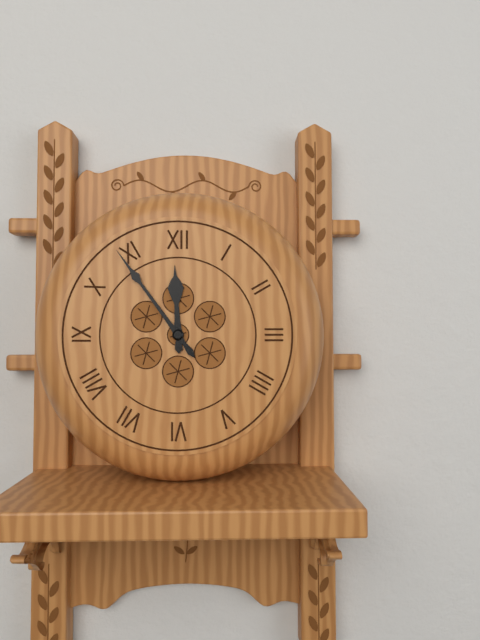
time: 11:54
